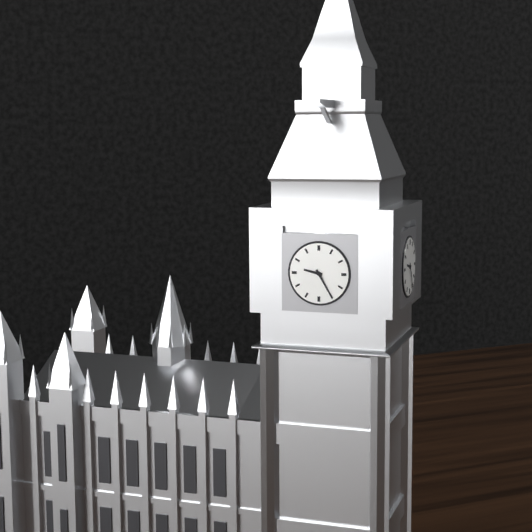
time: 9:25
